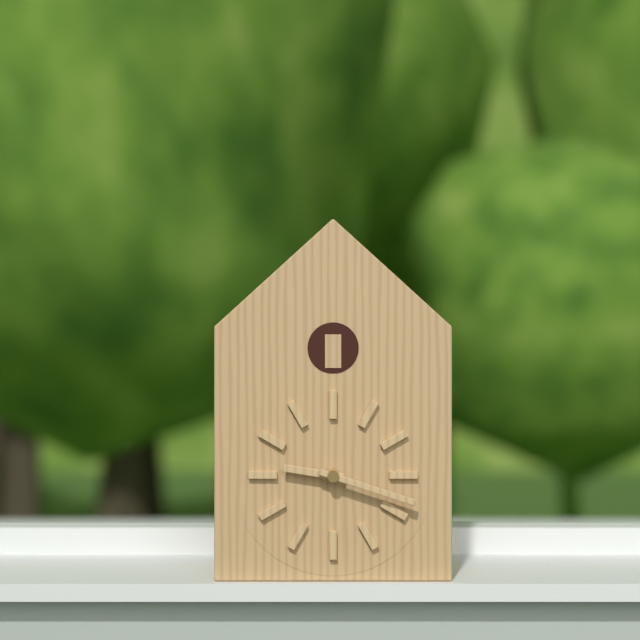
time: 9:18
